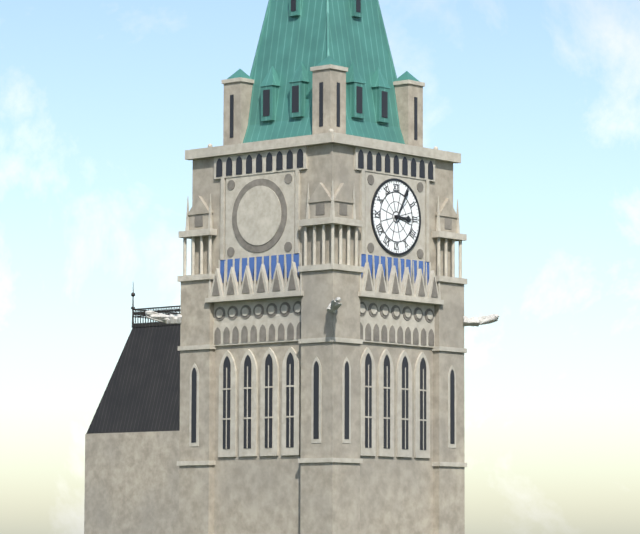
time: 3:05
